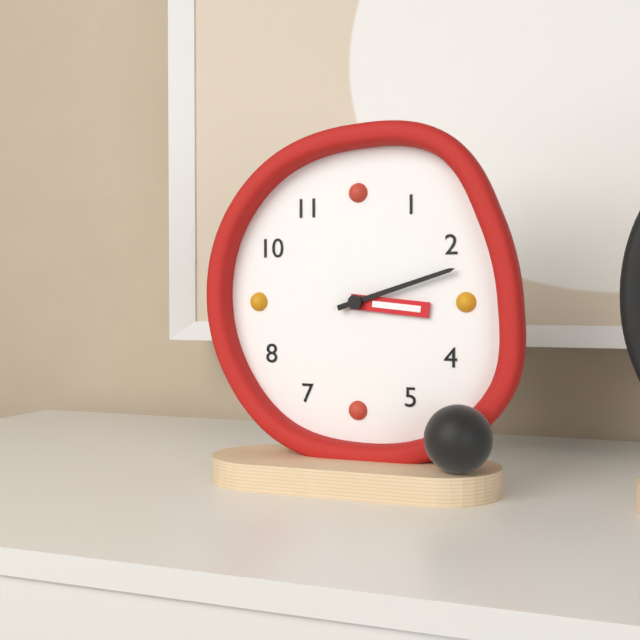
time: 3:12
